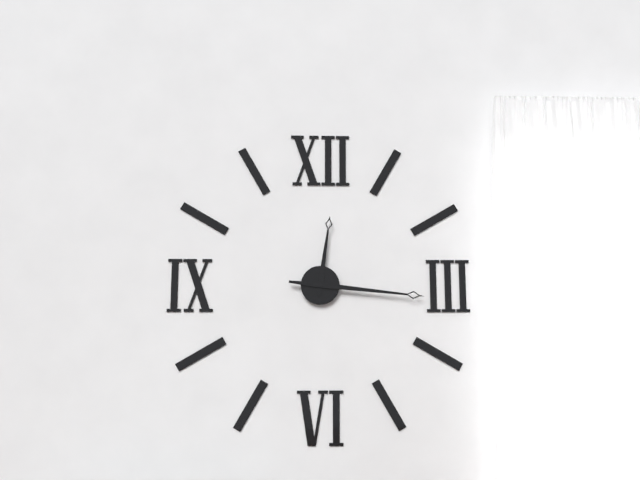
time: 12:16
